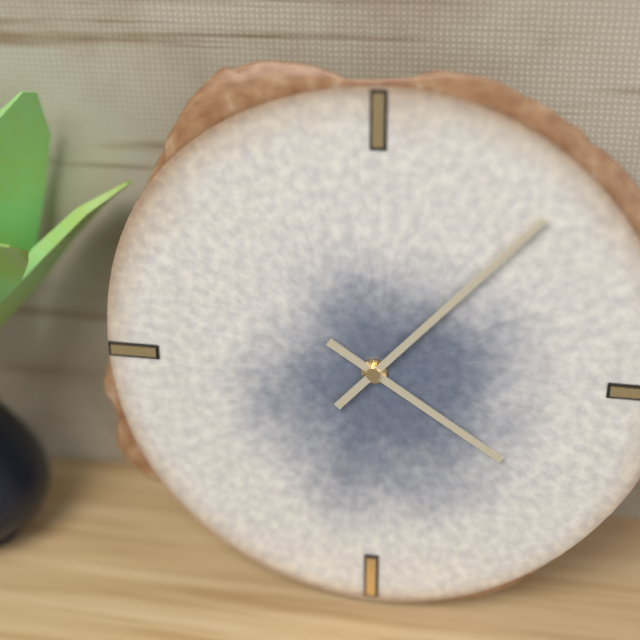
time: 4:07
